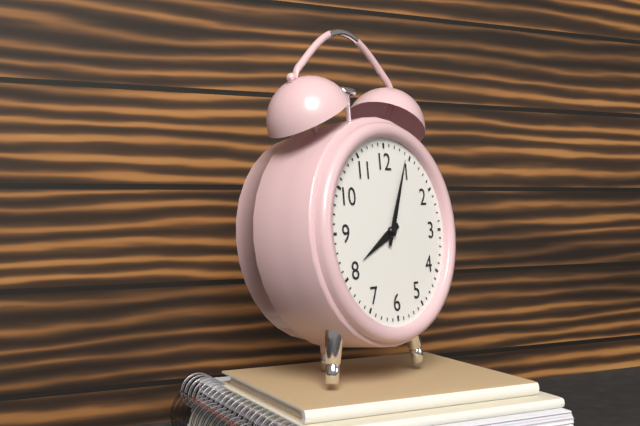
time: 8:04
